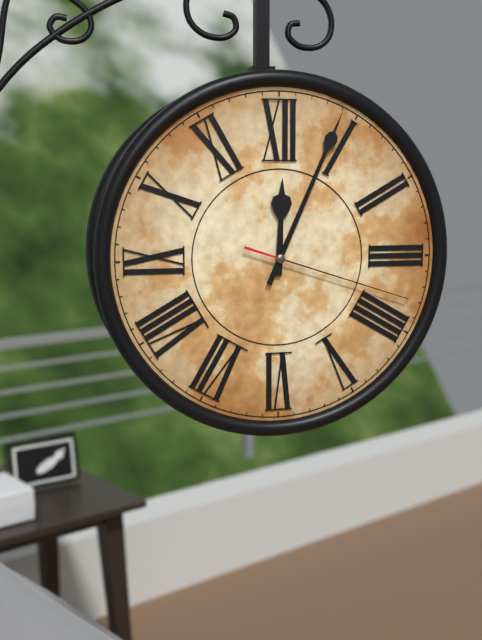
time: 12:04:18
